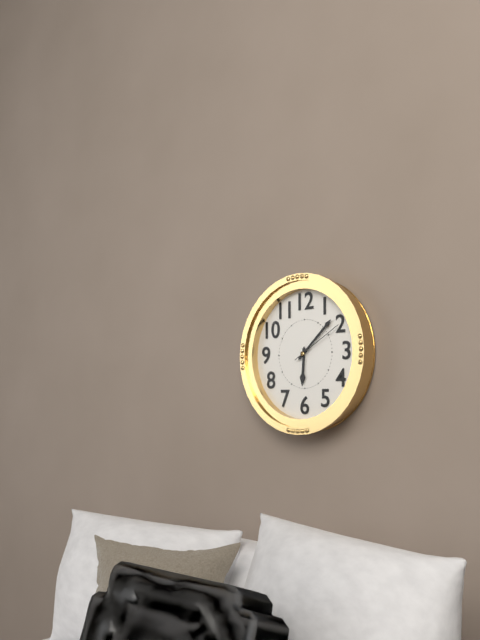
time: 6:08:10
